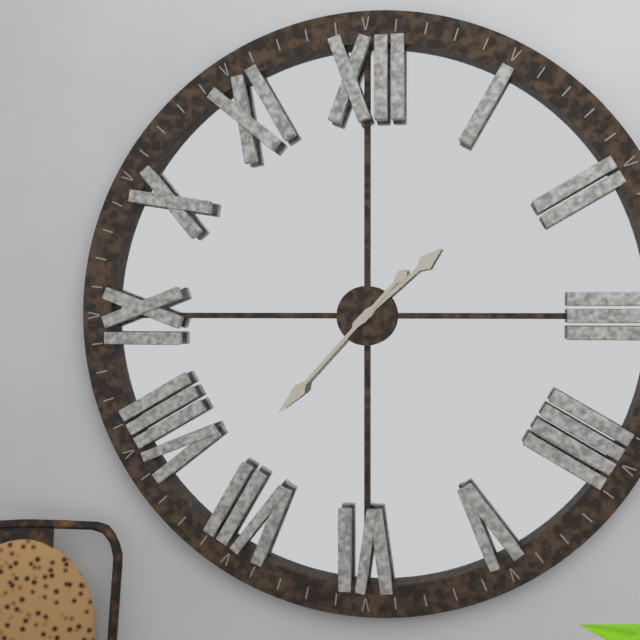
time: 1:37
